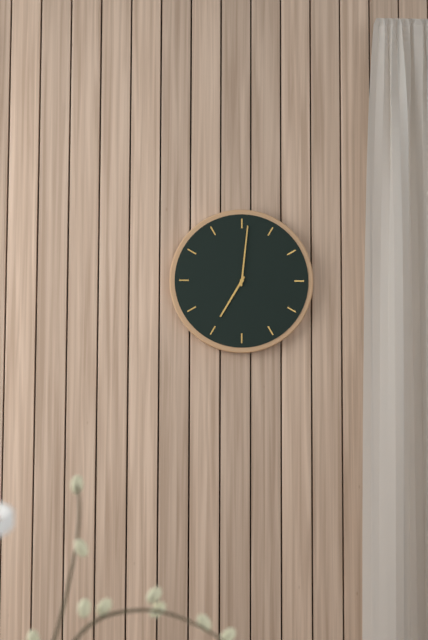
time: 7:01
